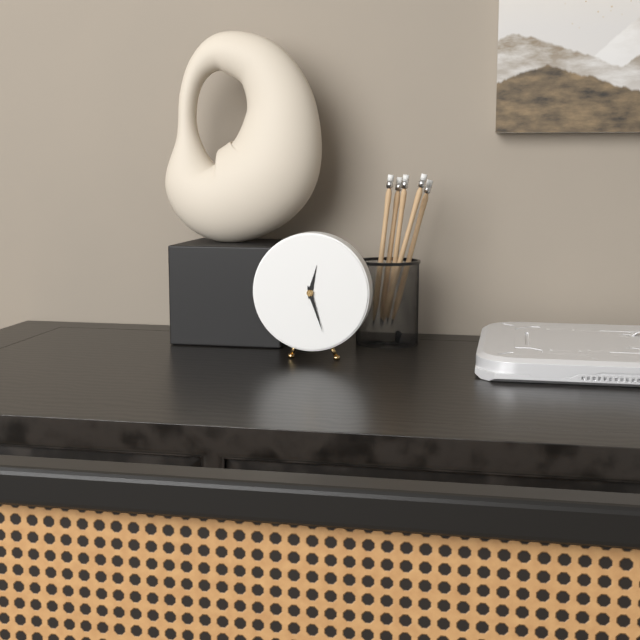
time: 12:27
